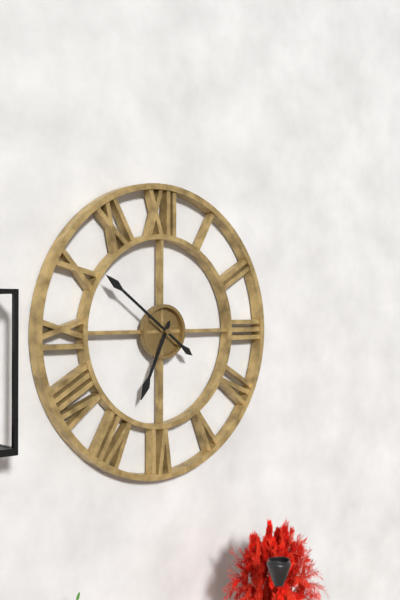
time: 6:51
